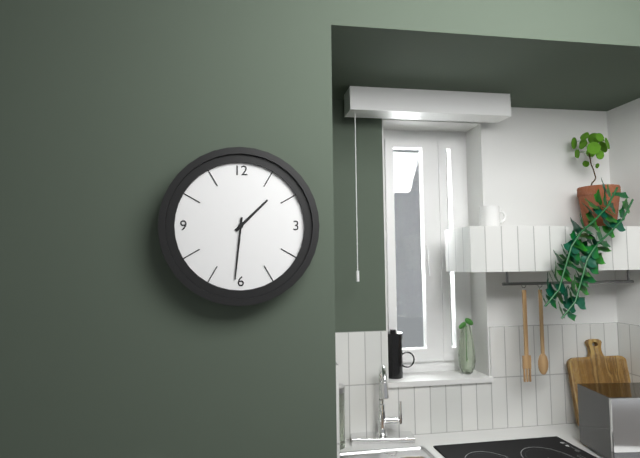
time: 1:31
